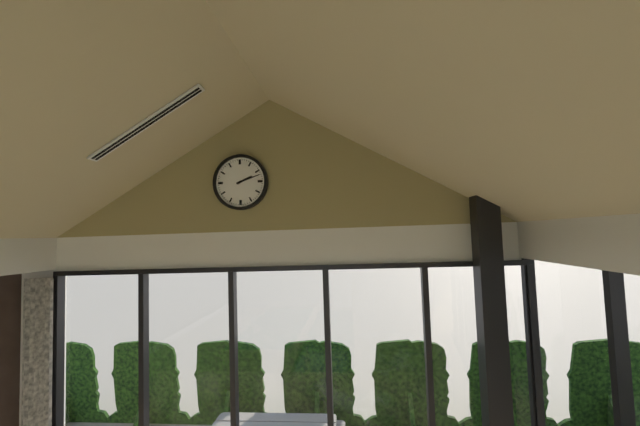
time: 2:12
